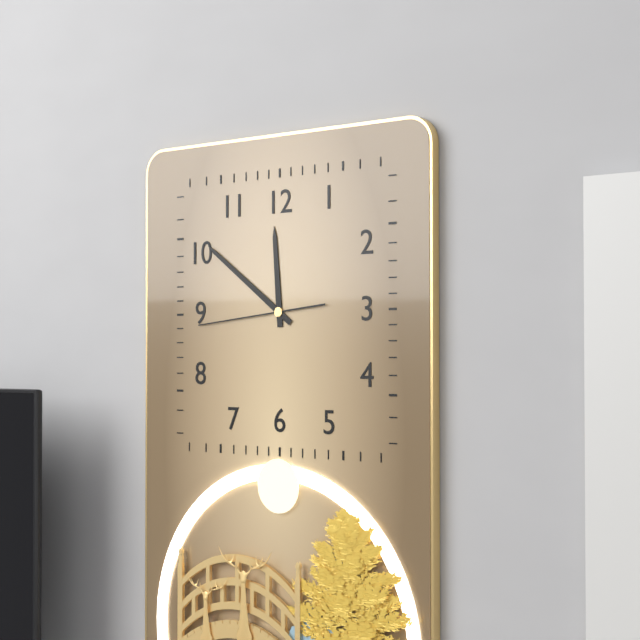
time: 11:51:44
